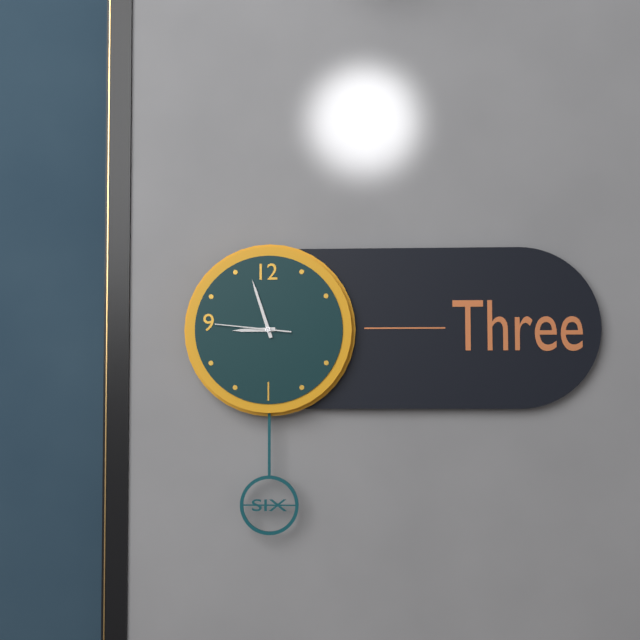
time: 8:57:46
